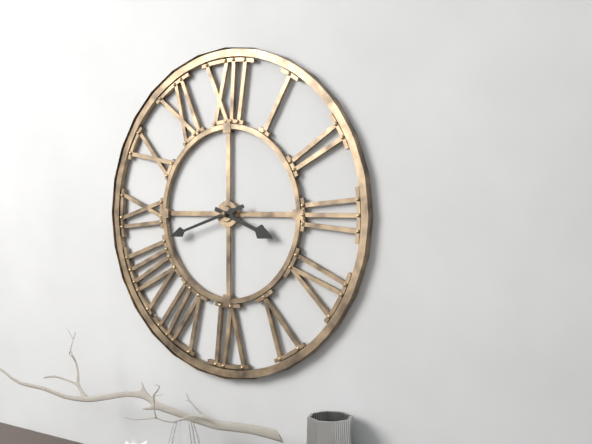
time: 3:42
